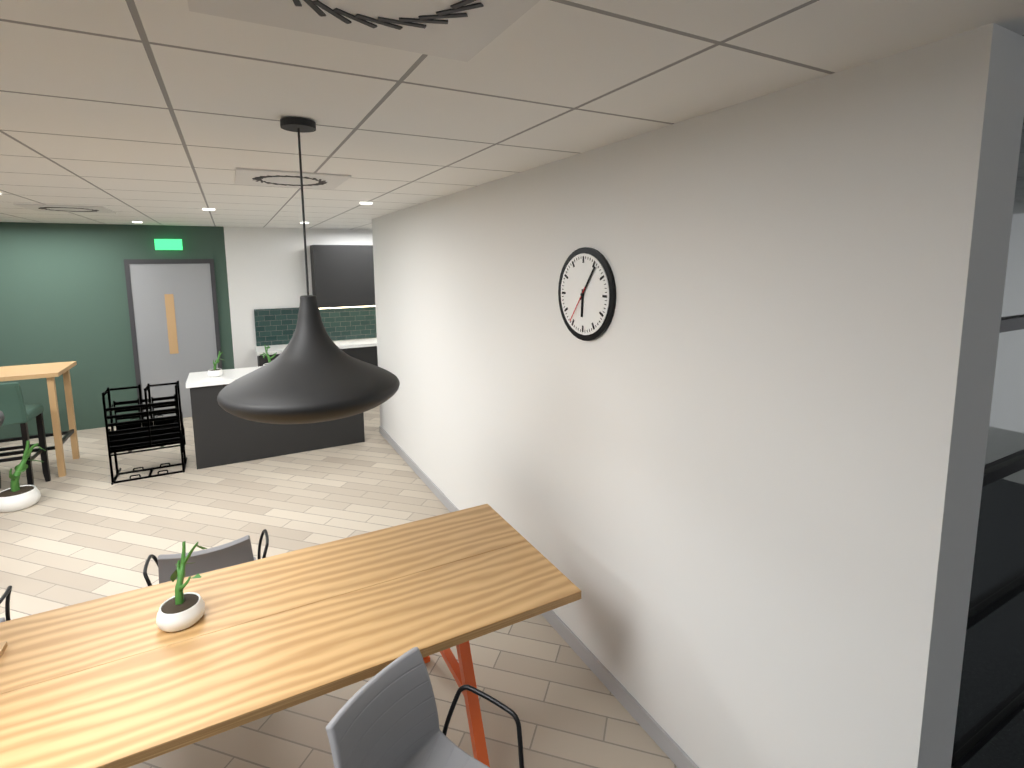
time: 6:06
